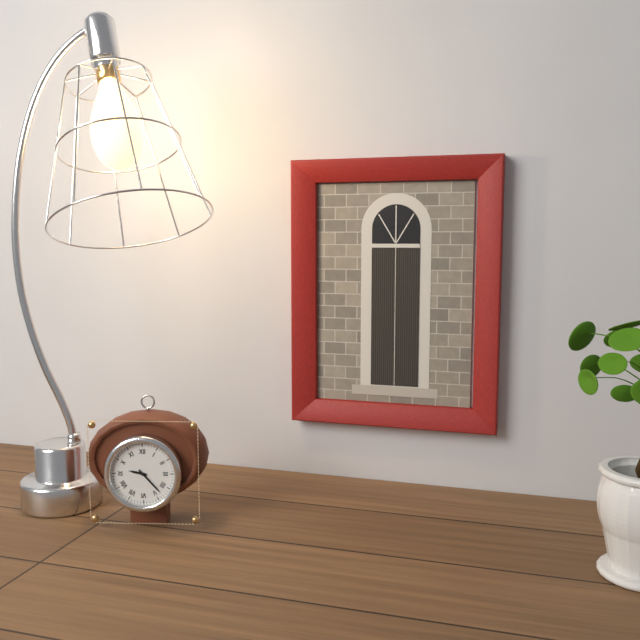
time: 9:23
